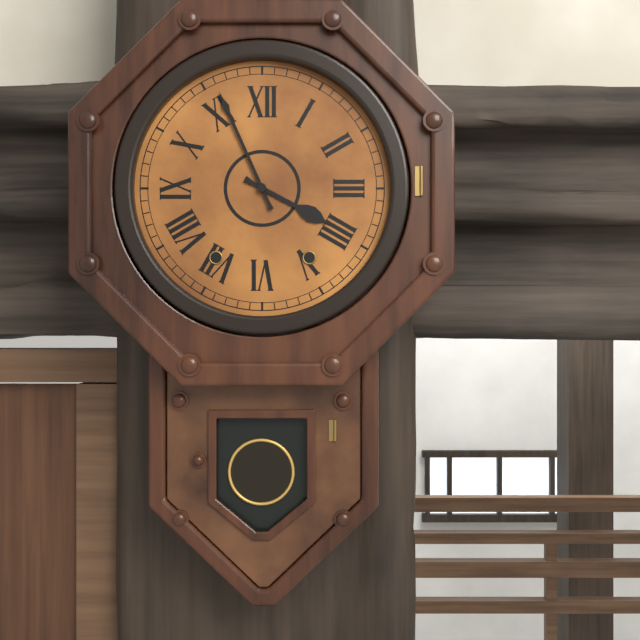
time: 3:56
